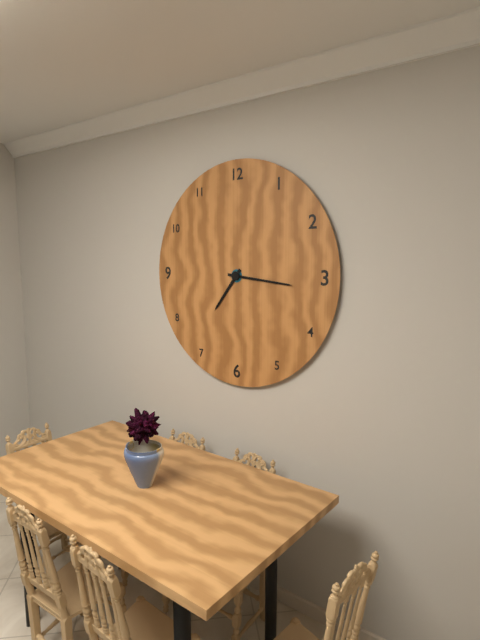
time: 7:16
